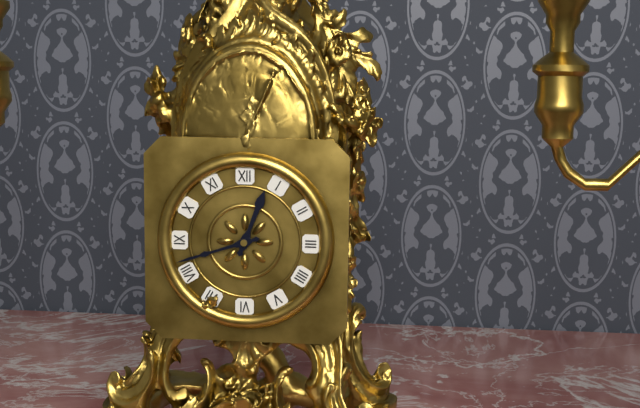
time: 12:42
